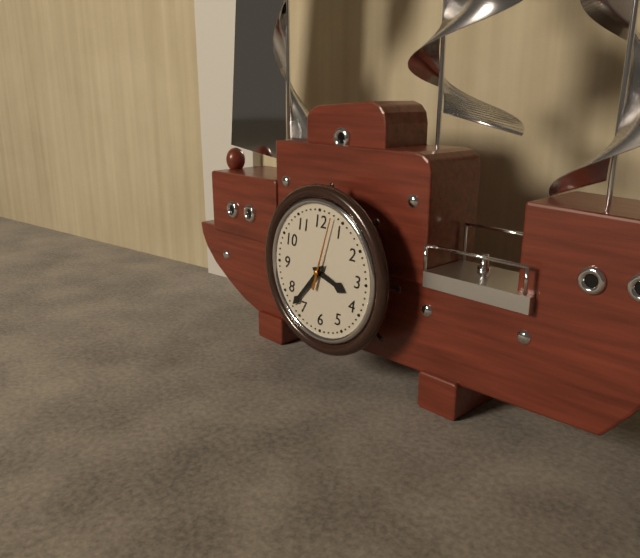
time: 3:37:03
